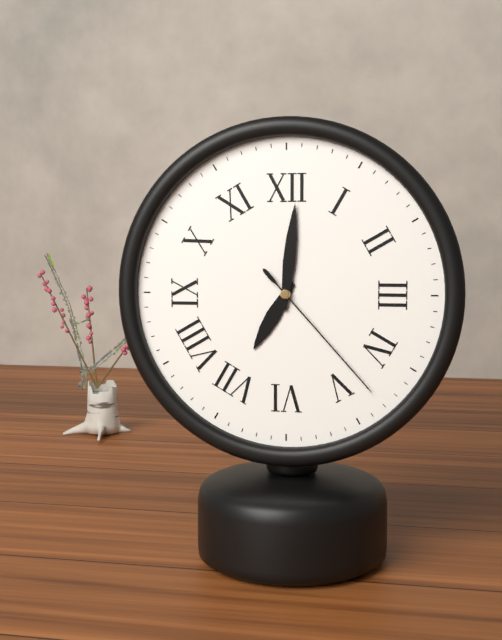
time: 7:01:23
